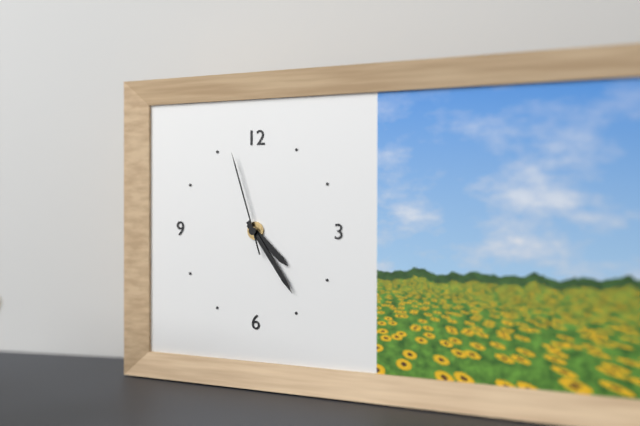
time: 4:24:57
